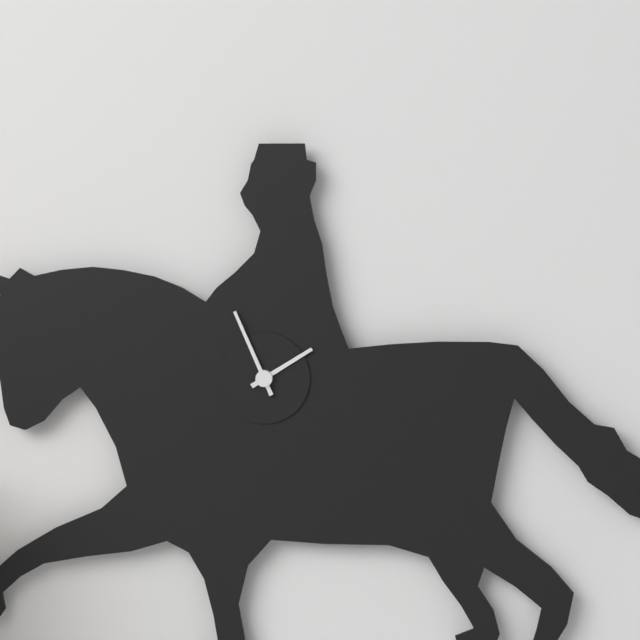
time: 1:56
